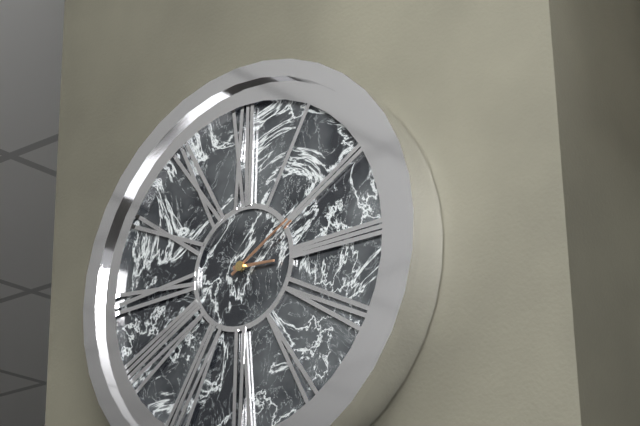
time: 3:10
